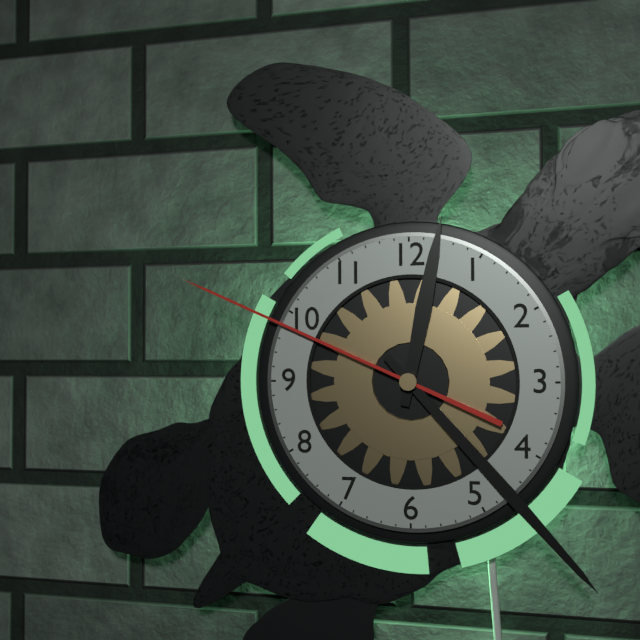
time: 12:23:49
